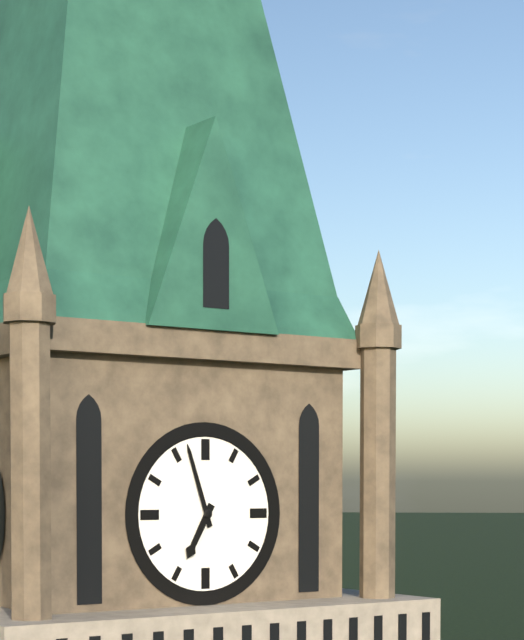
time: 6:57
